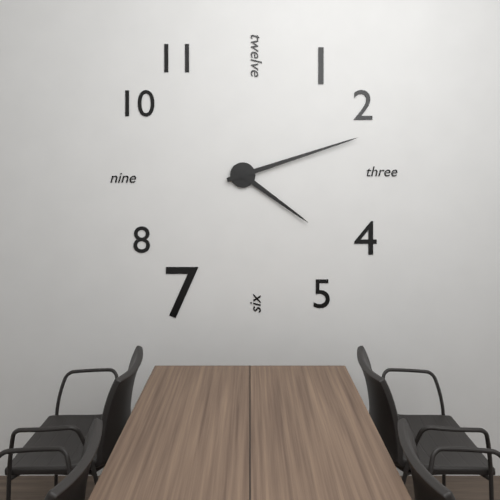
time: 4:12
